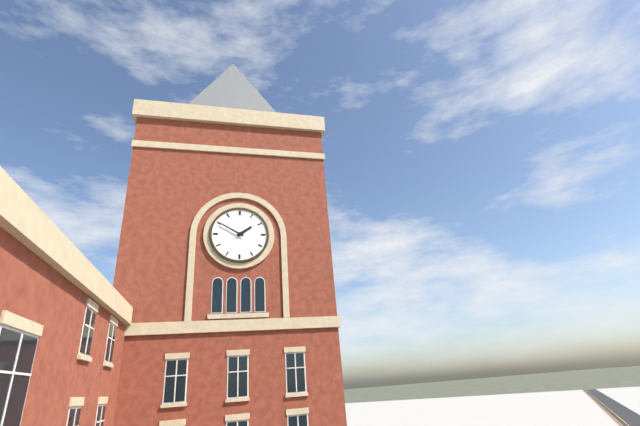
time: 1:50
